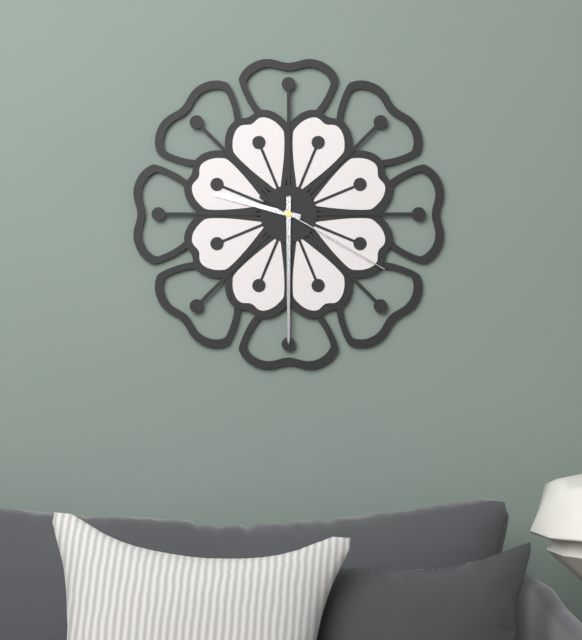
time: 9:30:20
